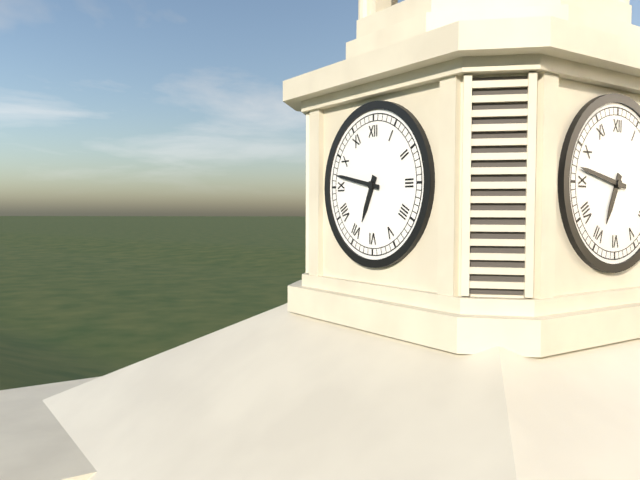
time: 6:47
